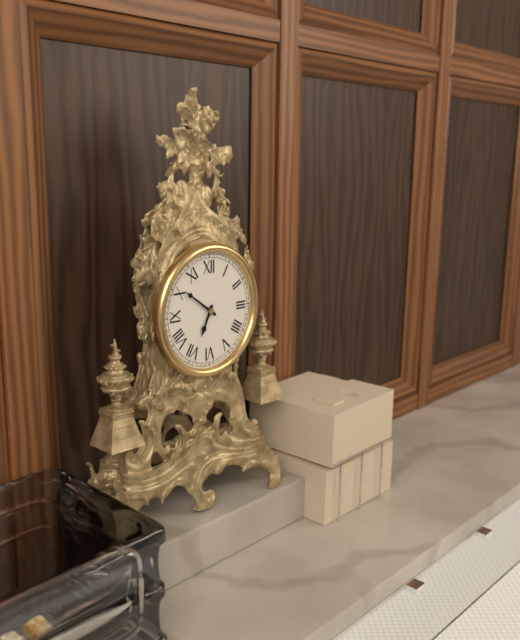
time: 6:51
